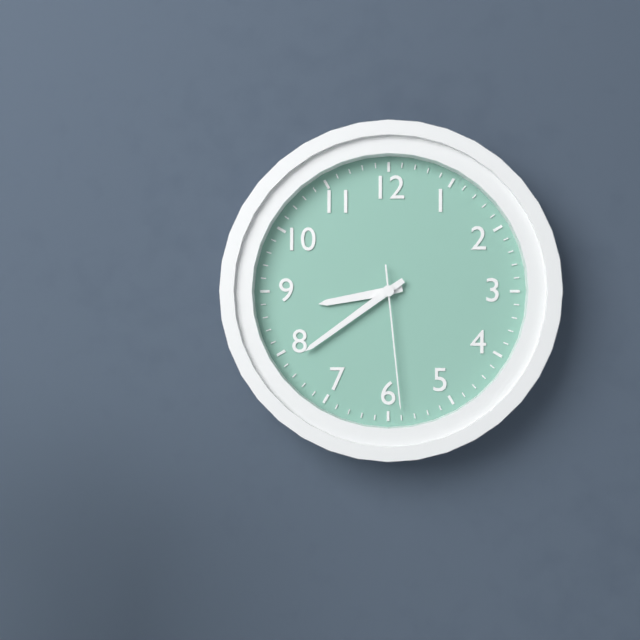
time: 8:39:29
